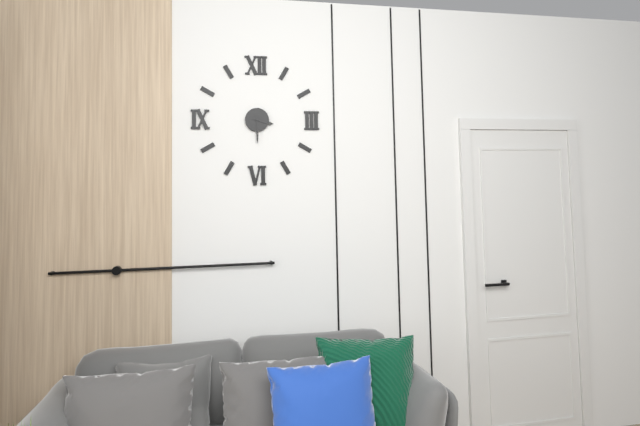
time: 3:30
